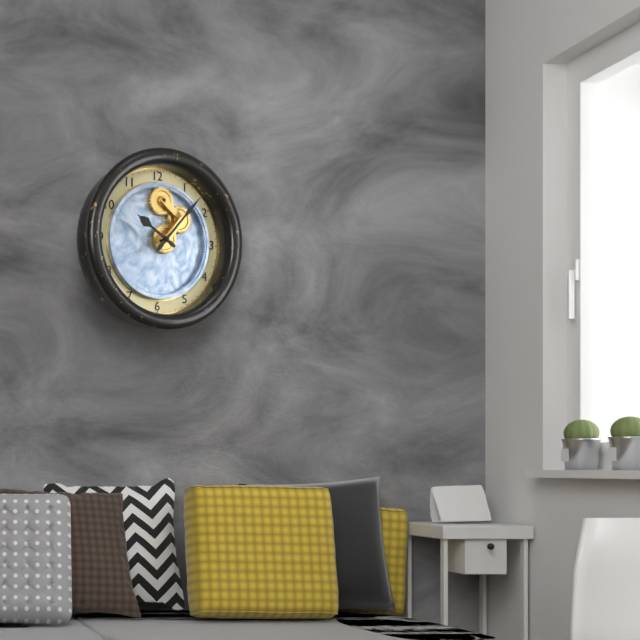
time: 10:07
